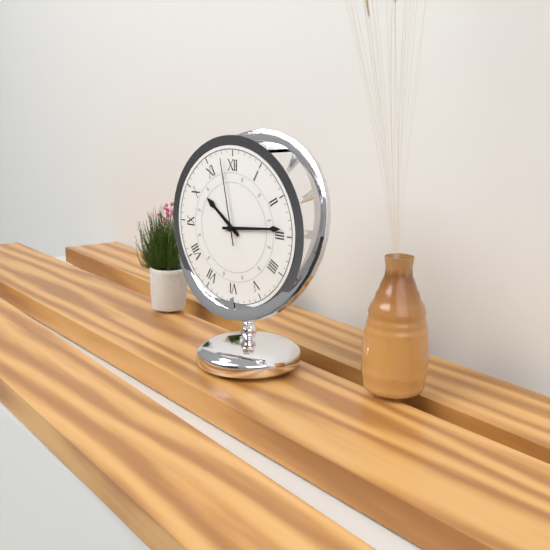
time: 10:14:58
